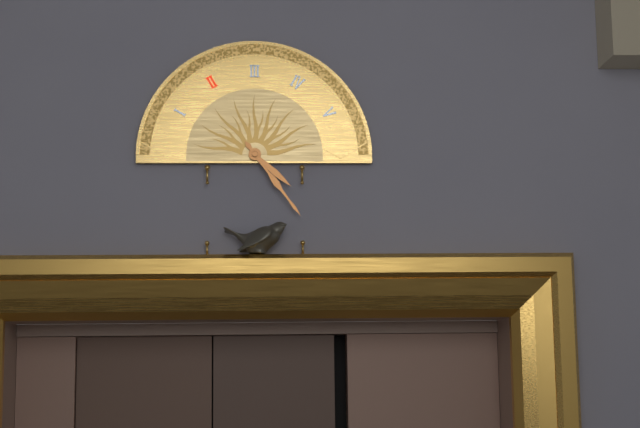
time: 4:24
